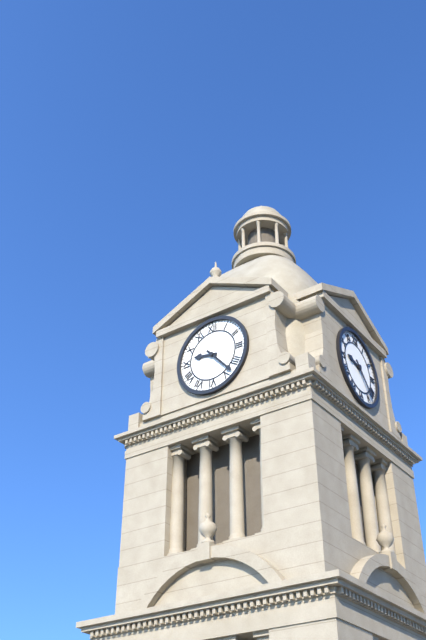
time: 9:23
